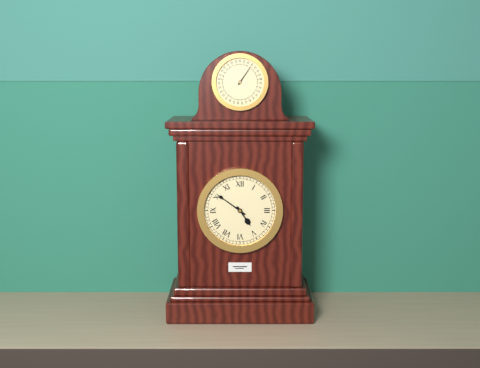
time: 4:51
